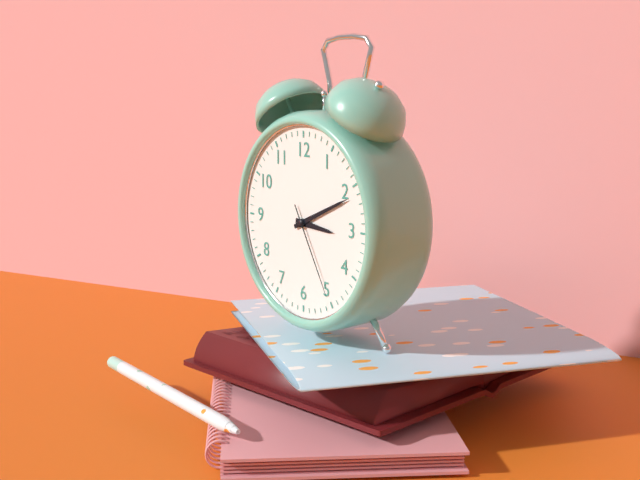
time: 3:11:25
